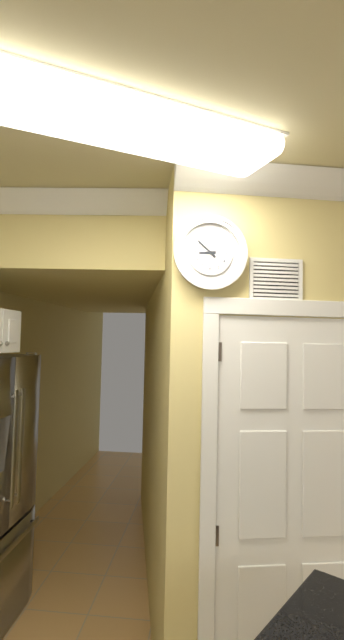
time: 8:52
